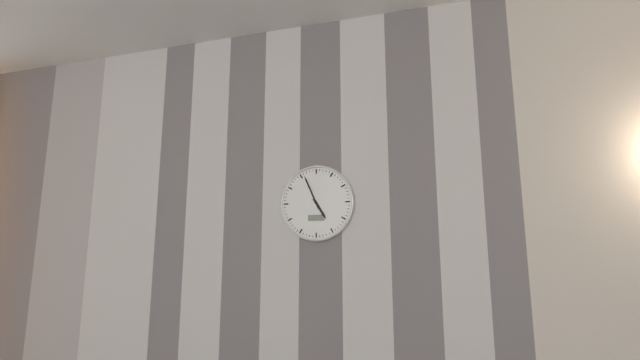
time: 4:56
